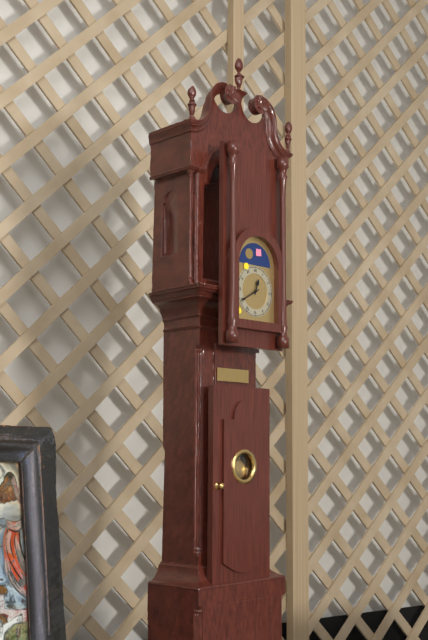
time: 12:40
